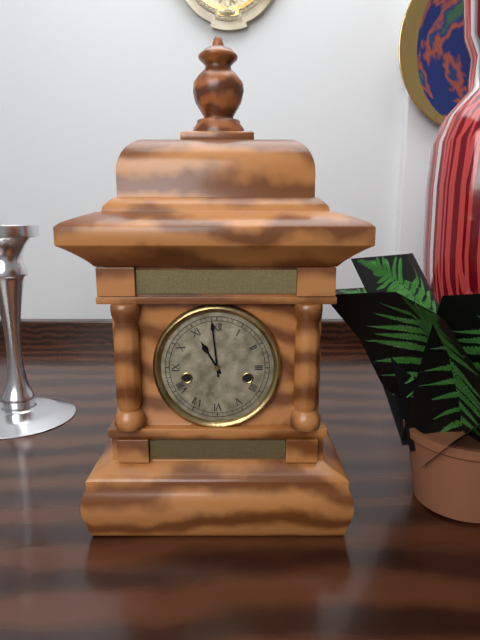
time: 10:59
